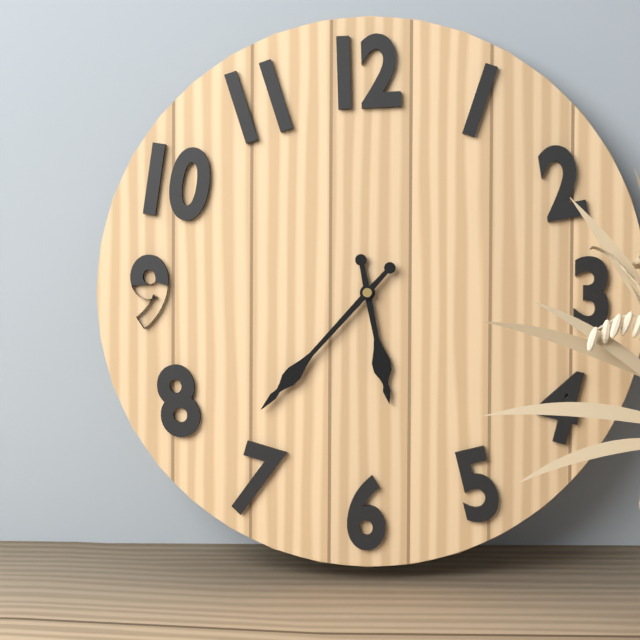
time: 5:37
